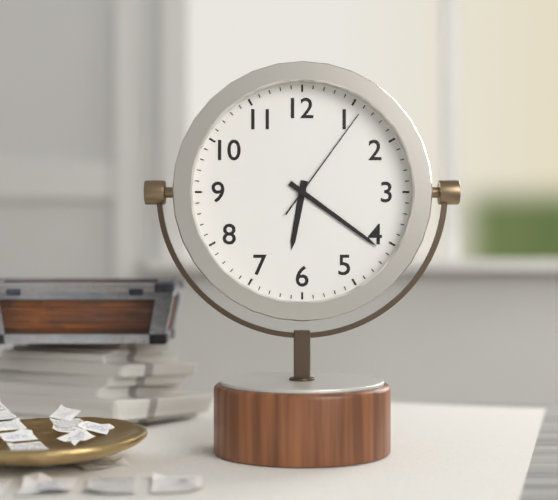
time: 6:21:06
